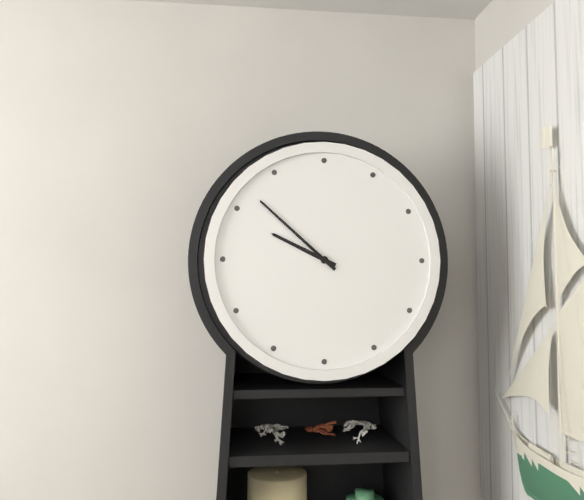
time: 9:52
